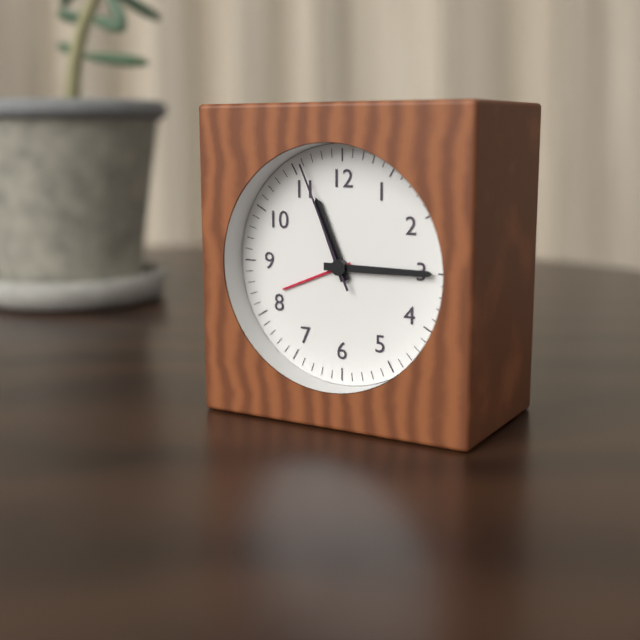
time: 11:15:56
